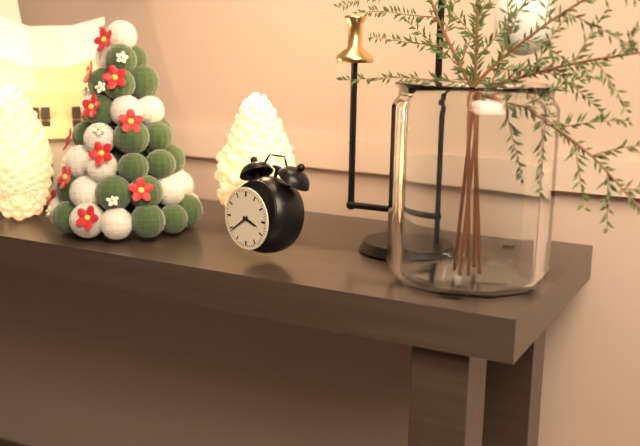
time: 3:39
